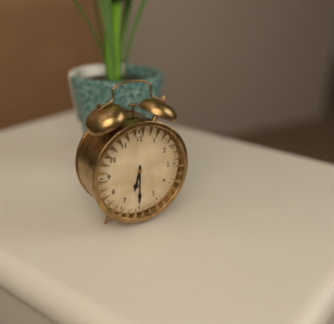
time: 6:30
